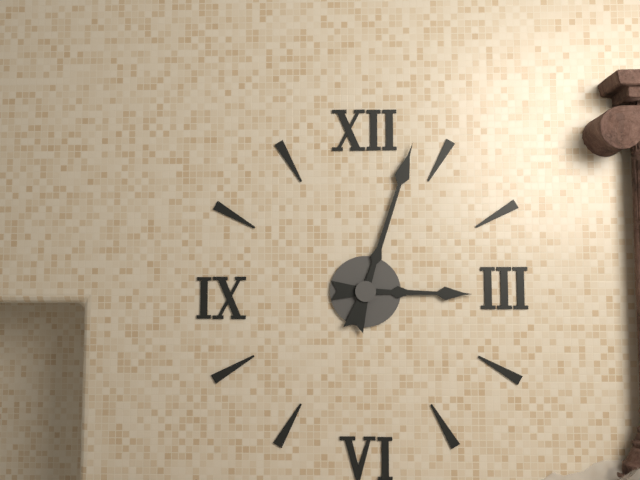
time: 3:03
